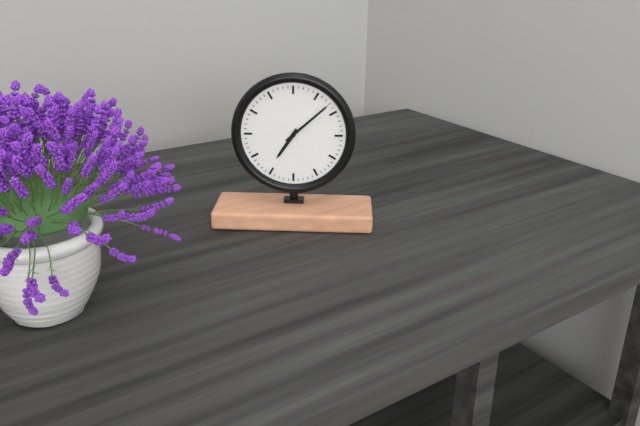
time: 7:08
